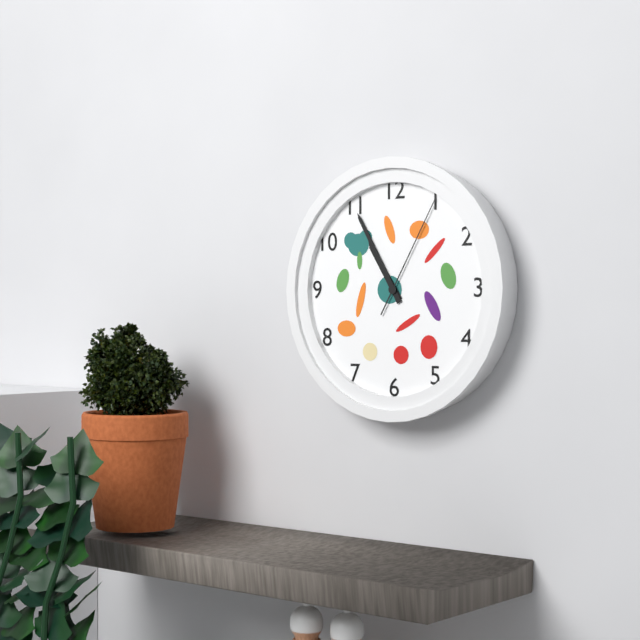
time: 10:55:05
